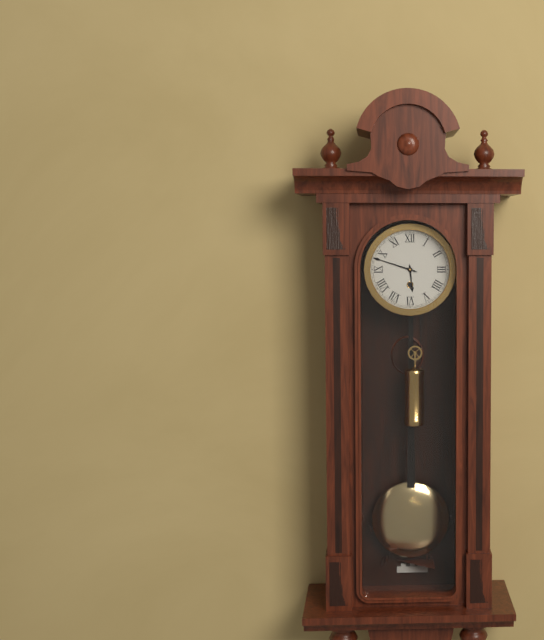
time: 5:48
